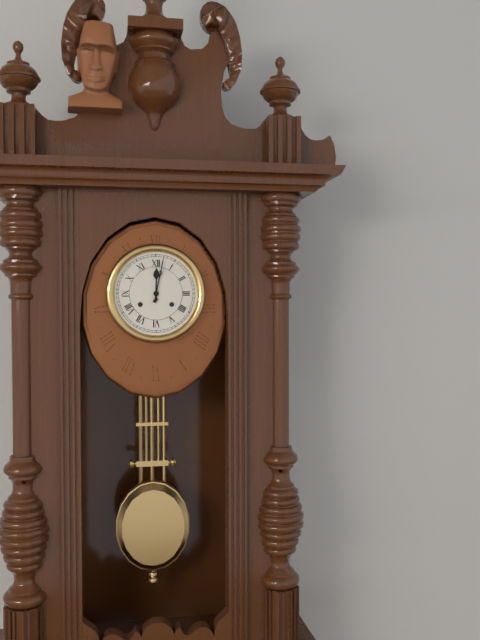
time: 12:02
